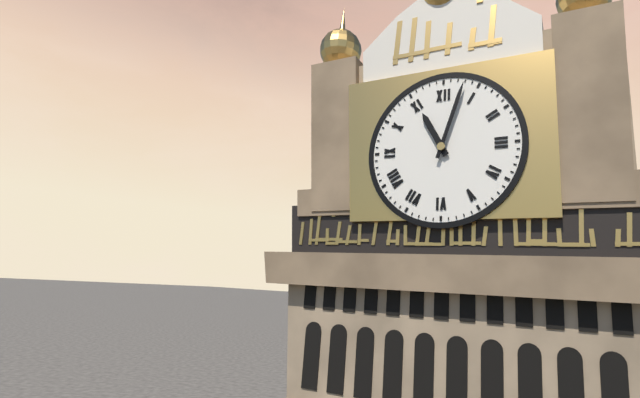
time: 11:03
